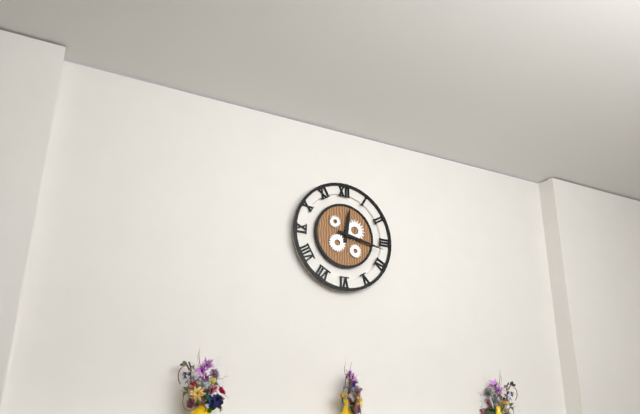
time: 12:17
